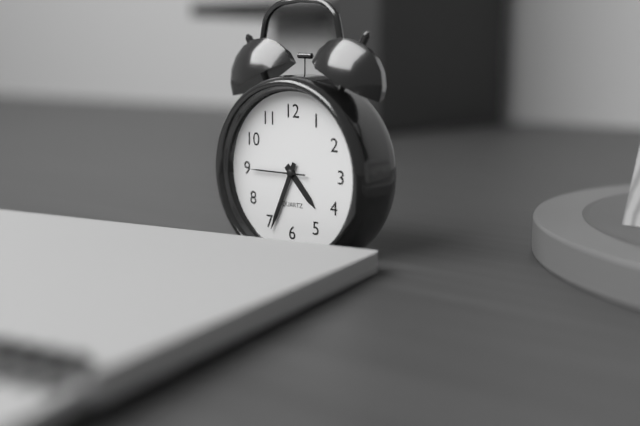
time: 4:34:45
